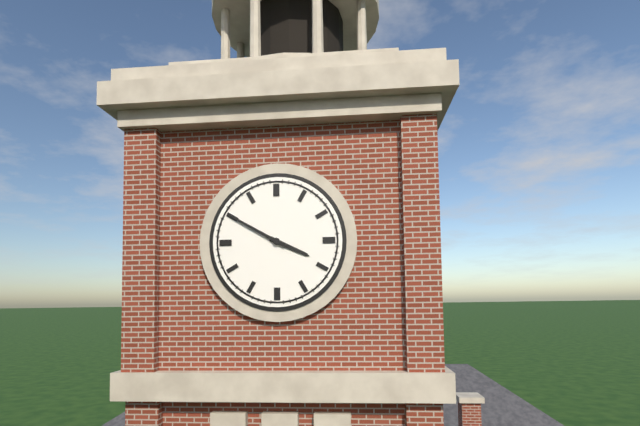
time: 3:50
